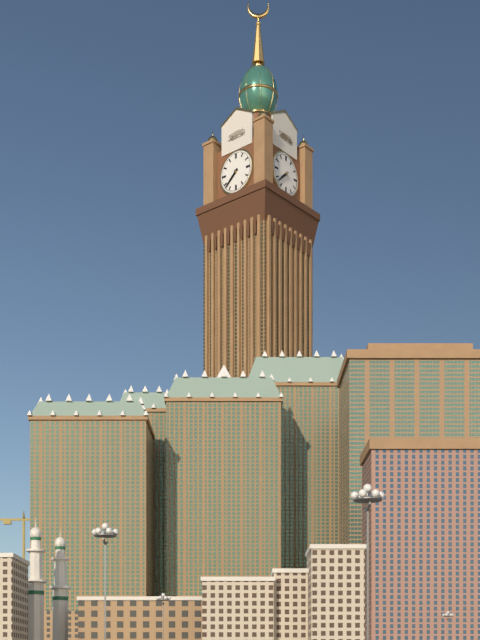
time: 7:38
